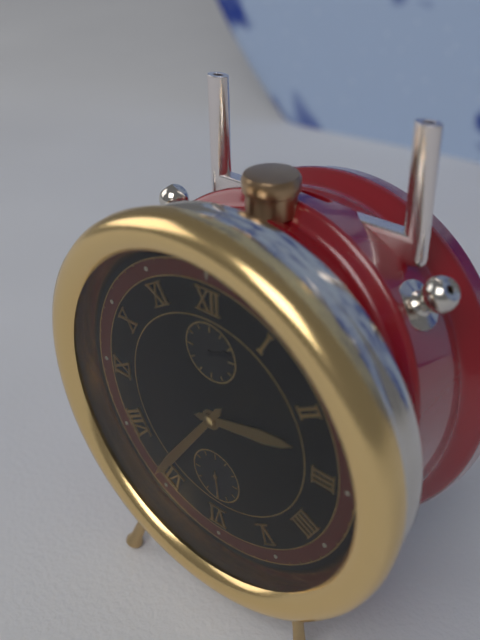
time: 2:36:29
